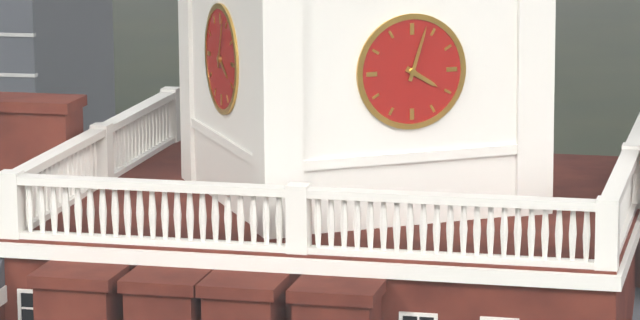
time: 4:03
